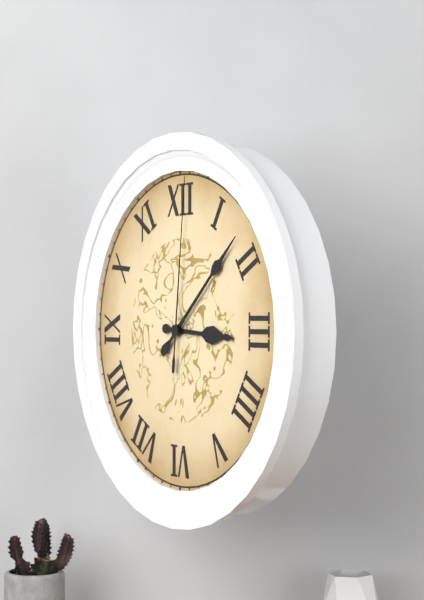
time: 3:08:01
